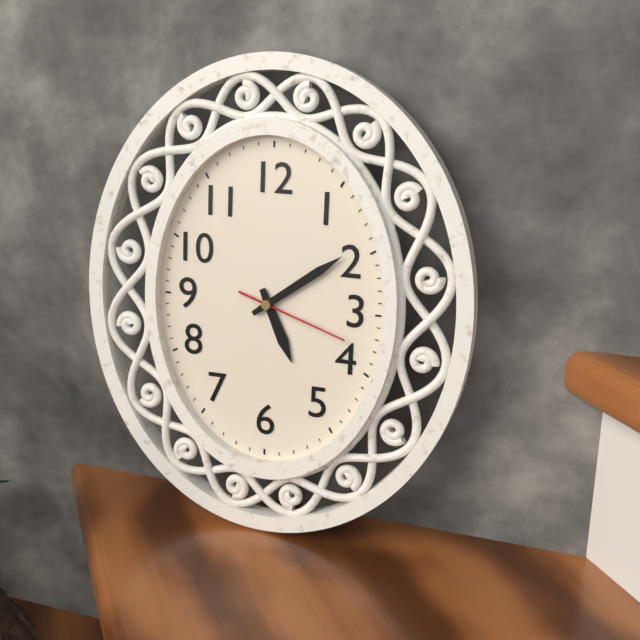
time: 5:09:18
